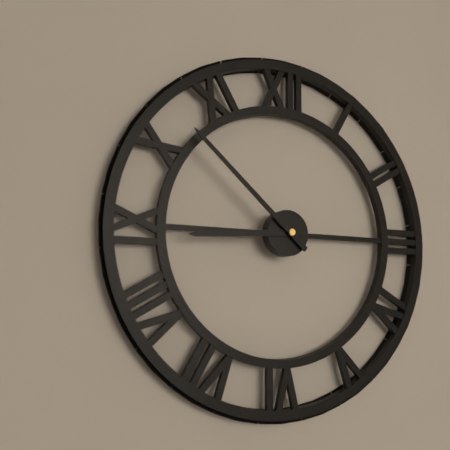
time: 8:52
